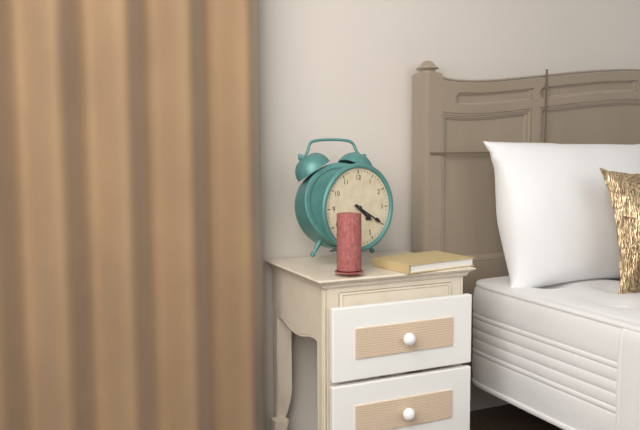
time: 4:20
